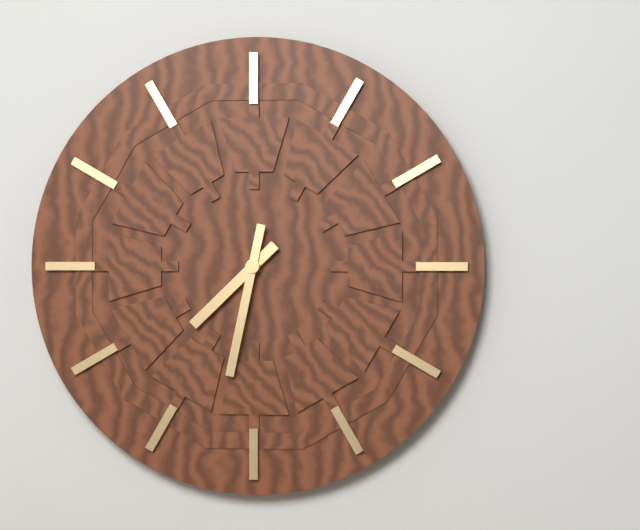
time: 7:32
